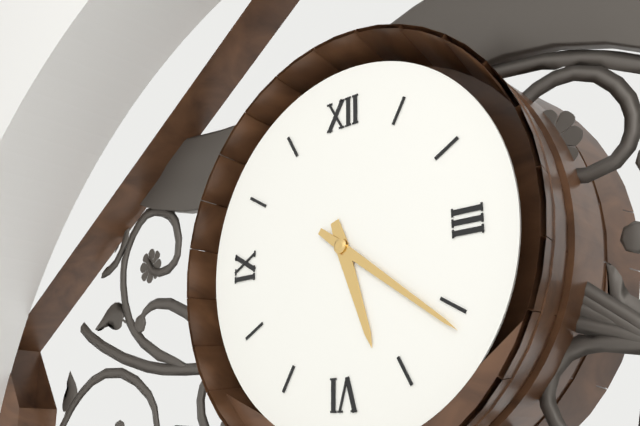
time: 5:21
